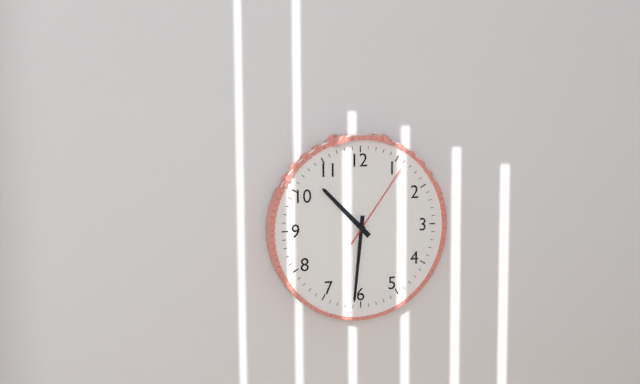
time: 10:31:06
